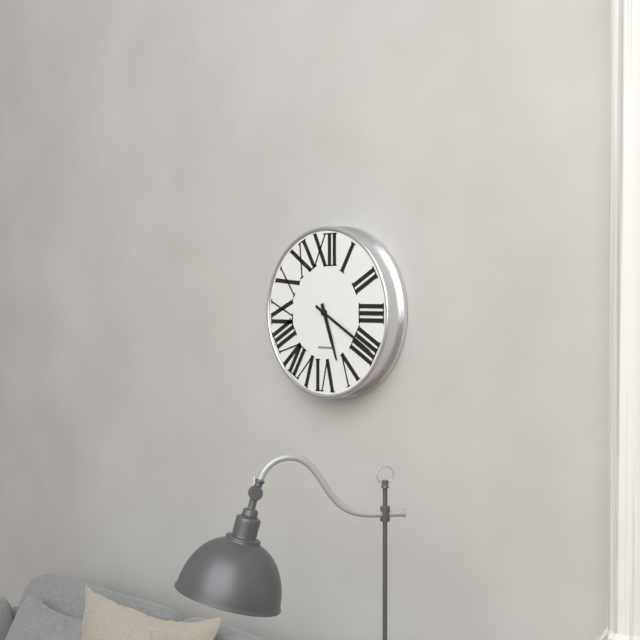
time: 5:20
